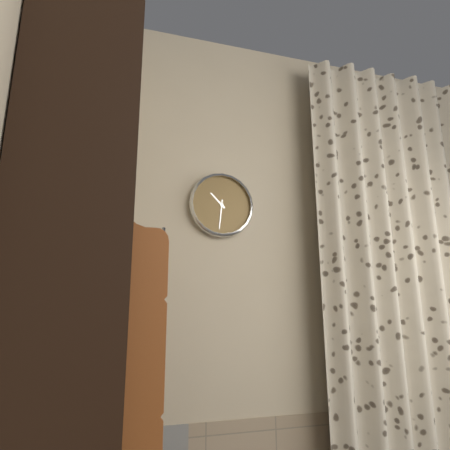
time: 10:31
